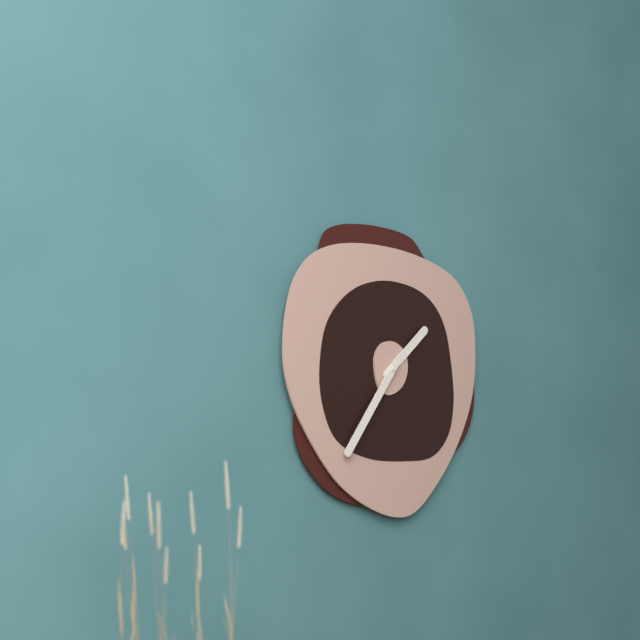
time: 1:36
